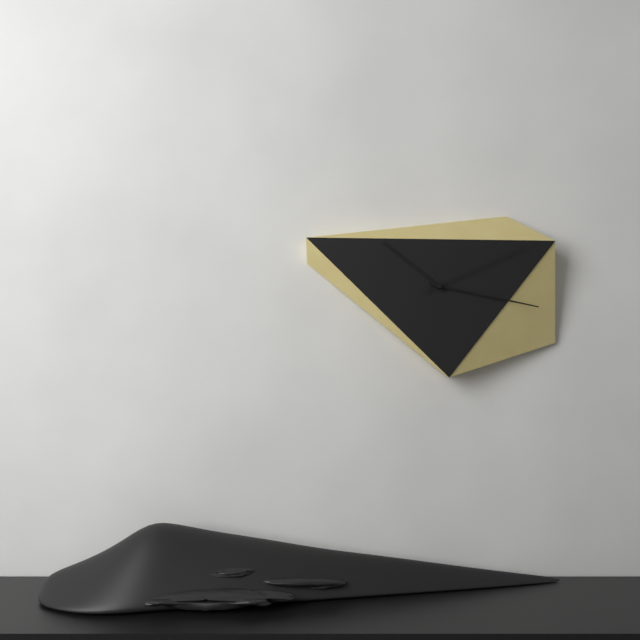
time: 10:17:11
